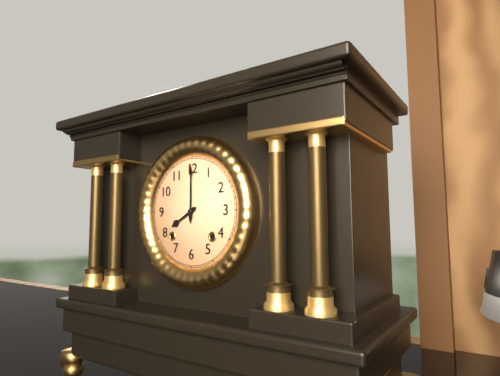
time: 8:00
